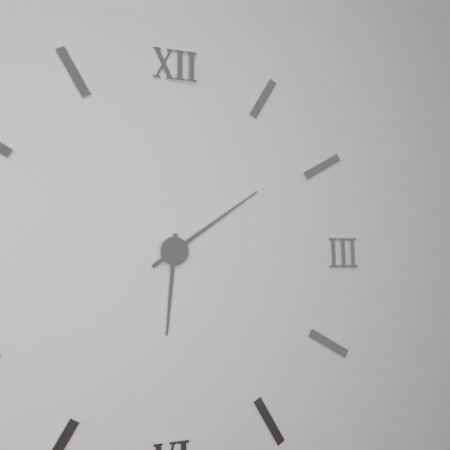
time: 6:09
